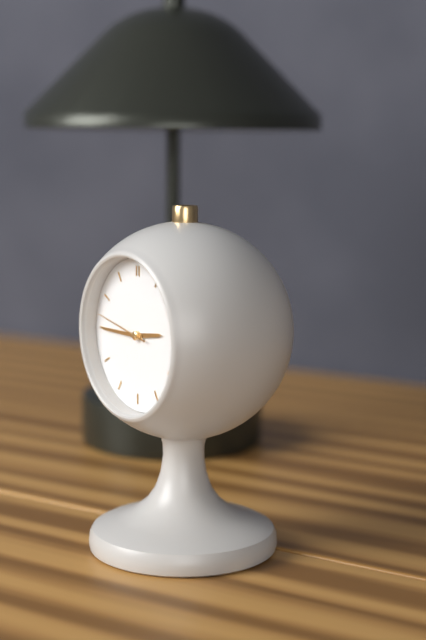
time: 2:45:47
